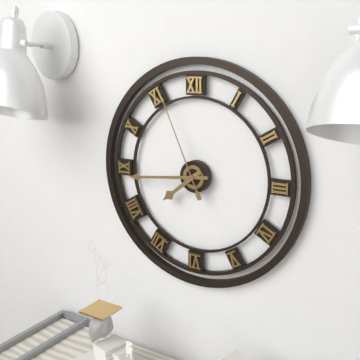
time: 7:44:56
